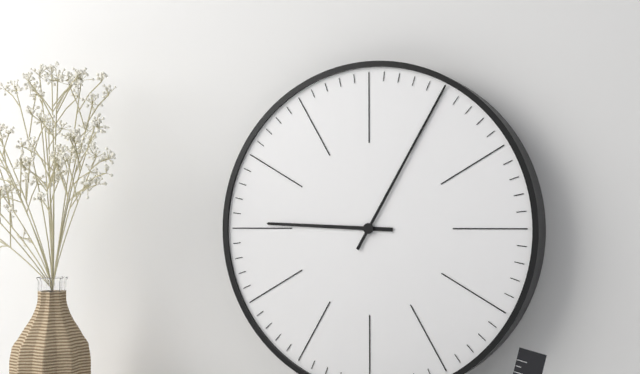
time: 9:05
